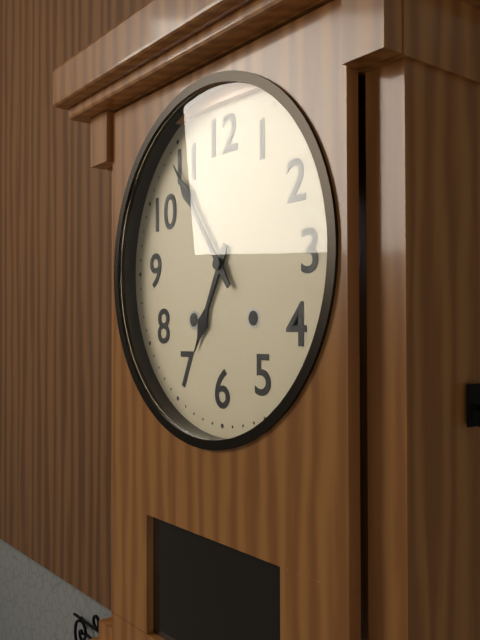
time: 6:54
